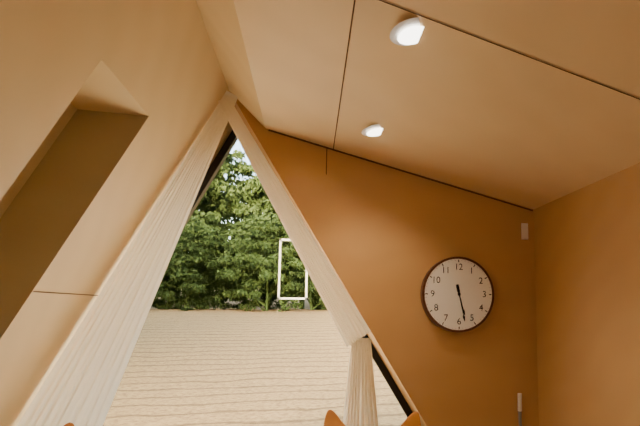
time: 5:28
